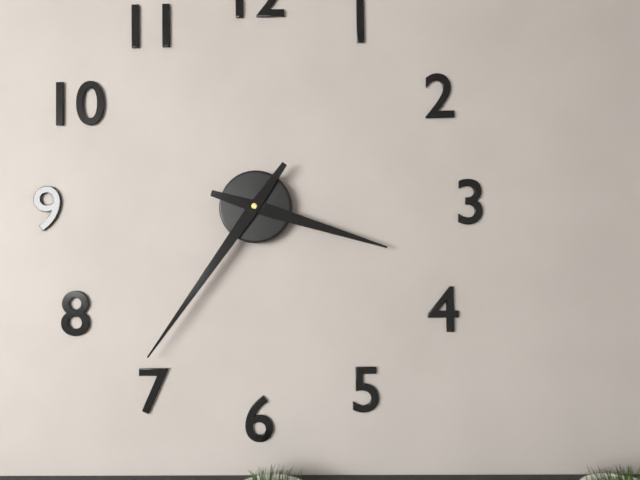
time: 3:36
